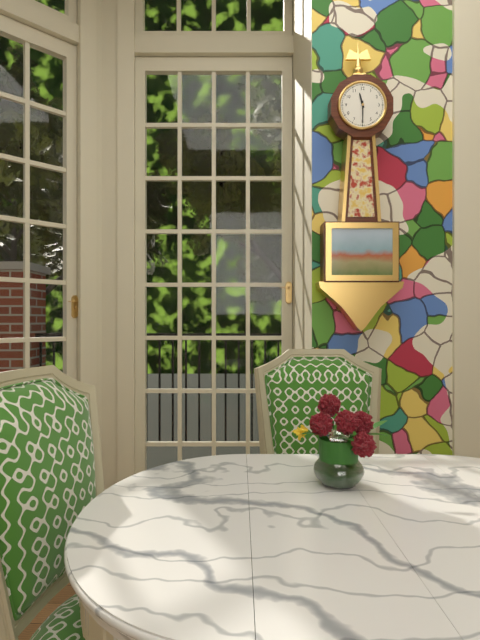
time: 11:30
